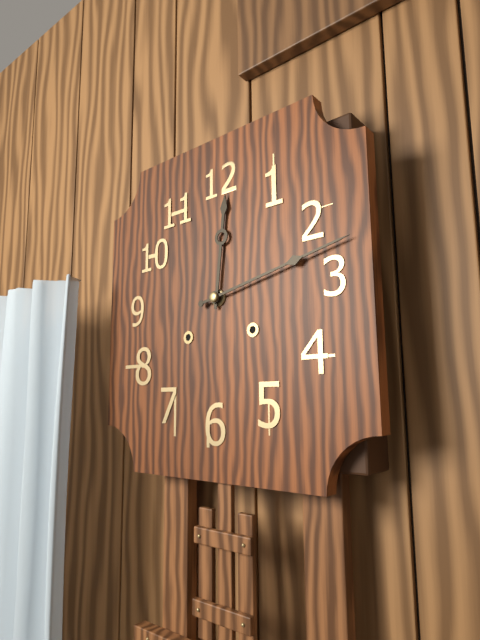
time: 12:13
